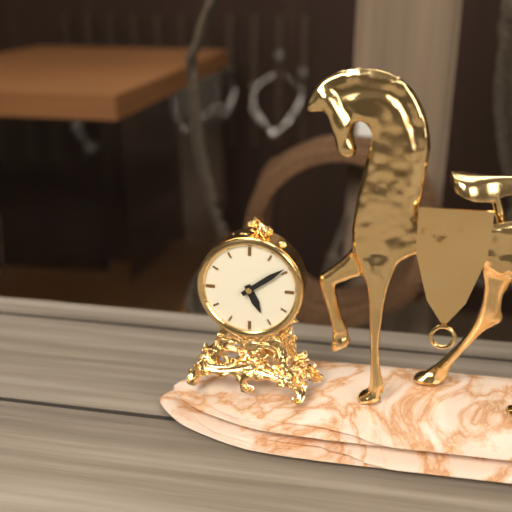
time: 5:09
